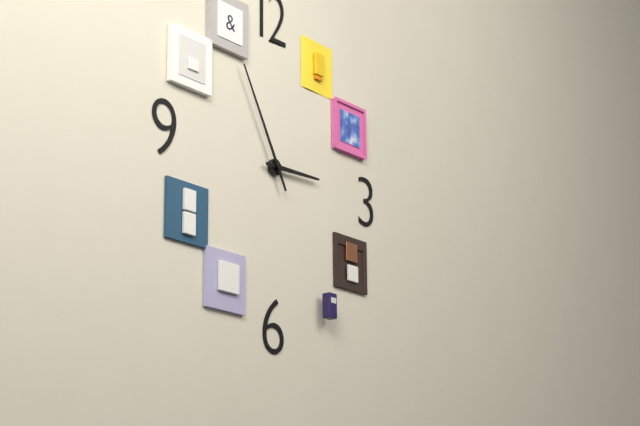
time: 2:55
